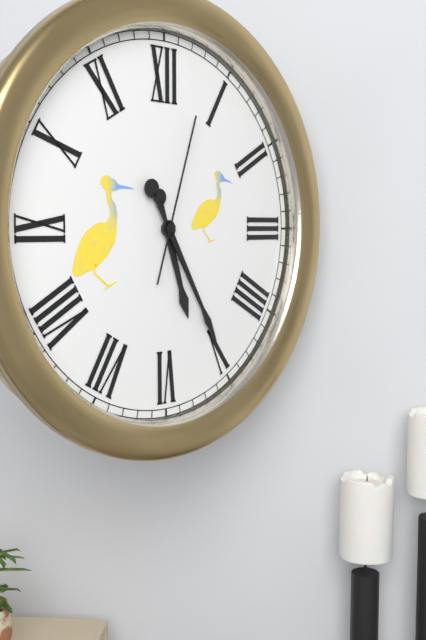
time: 5:25:03
